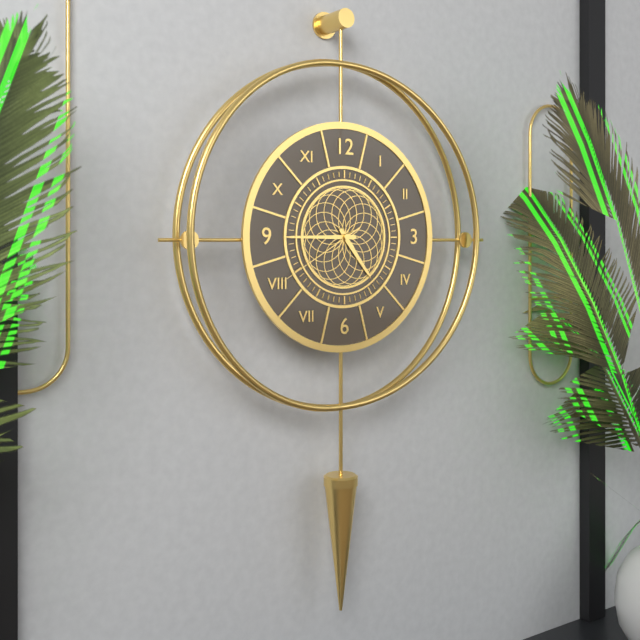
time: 4:45:40
